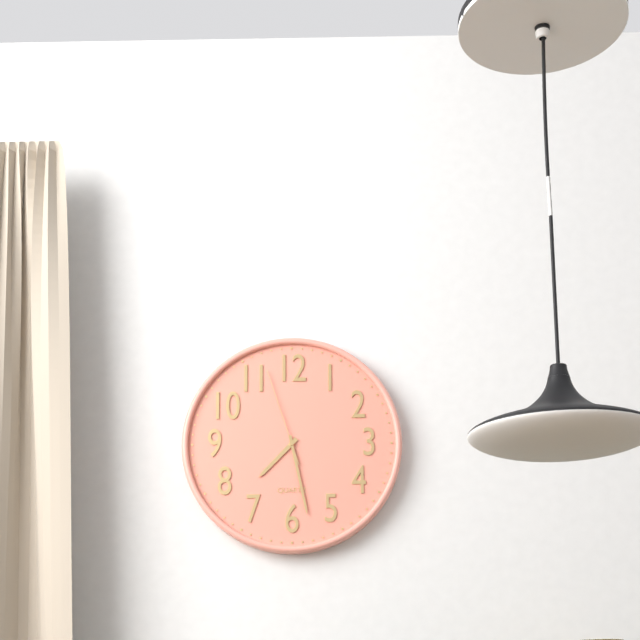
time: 7:28:57
